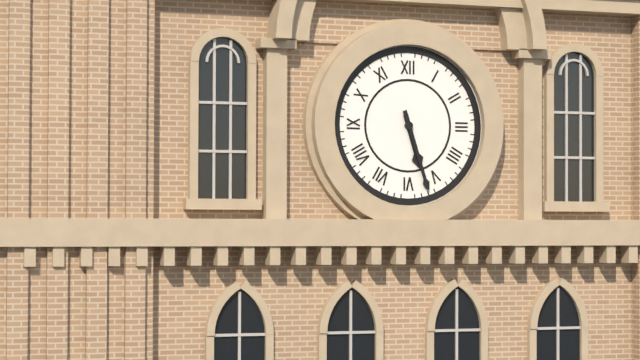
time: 5:27
